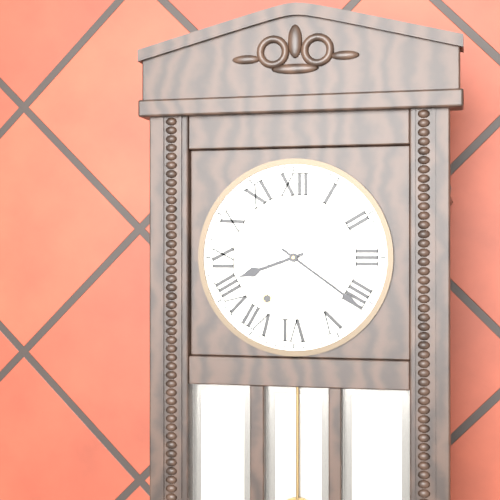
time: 8:21
